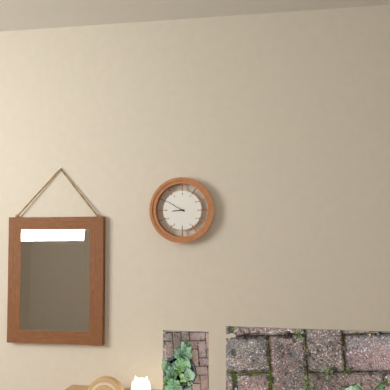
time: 8:50
